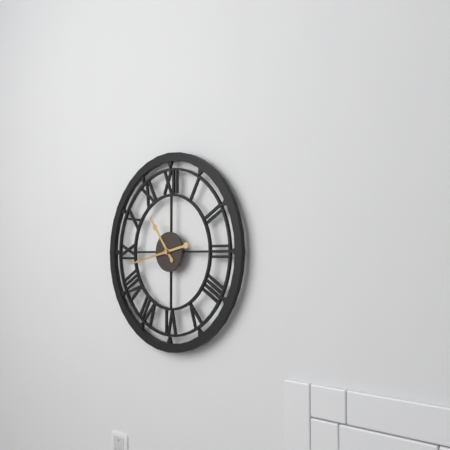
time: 10:43
